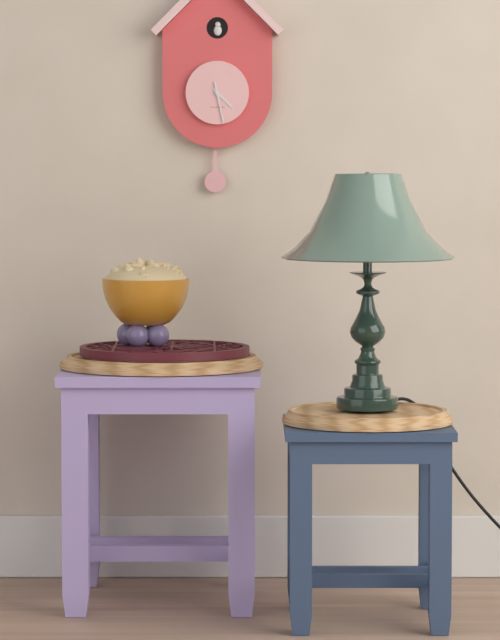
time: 4:28
